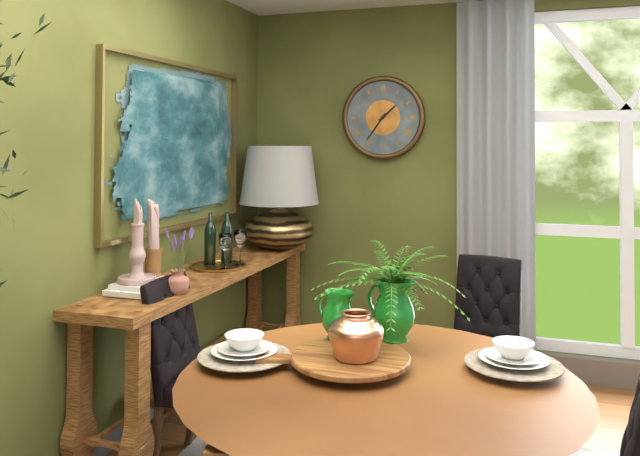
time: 1:36
